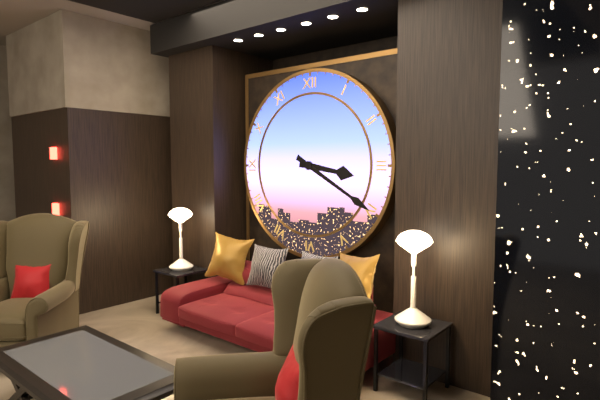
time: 3:20
